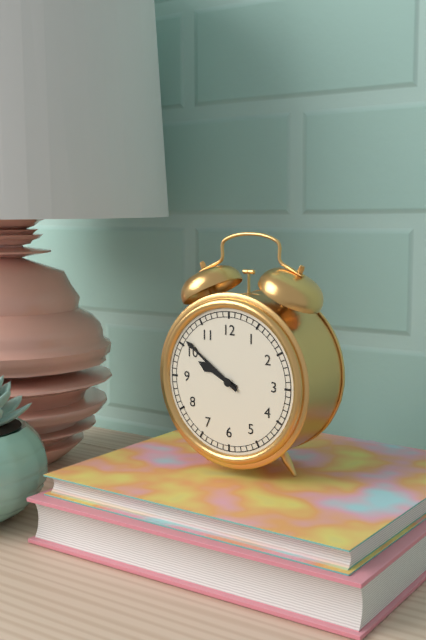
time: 9:51
